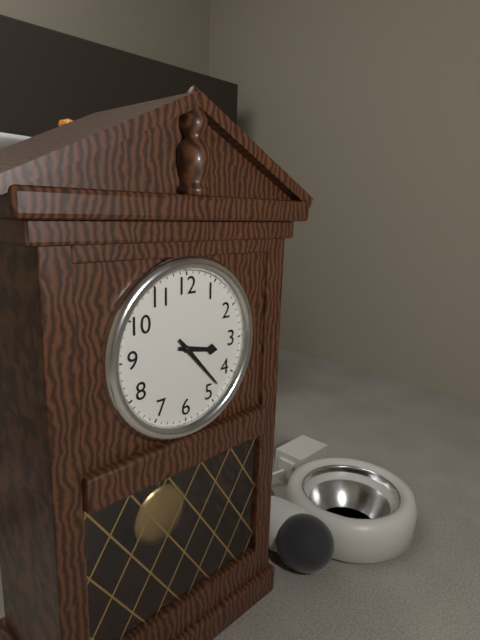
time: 3:23
